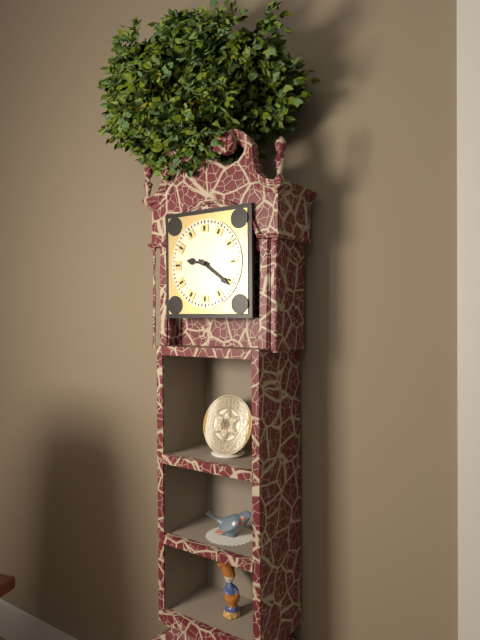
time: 9:21
